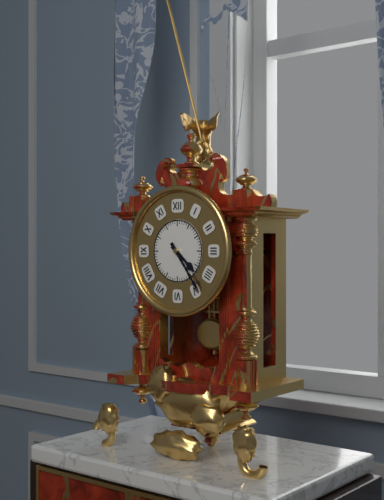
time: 4:24
